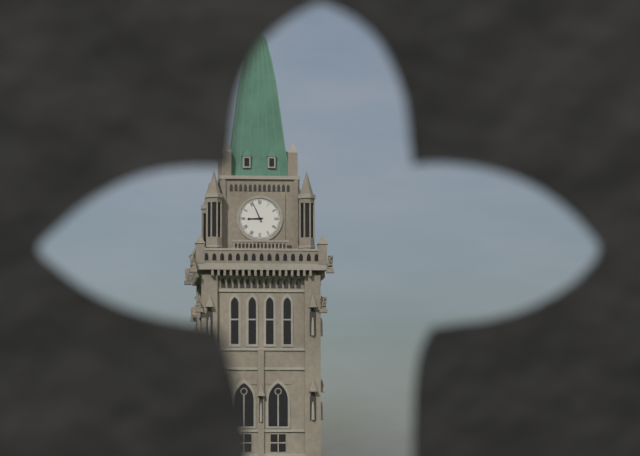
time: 8:56
